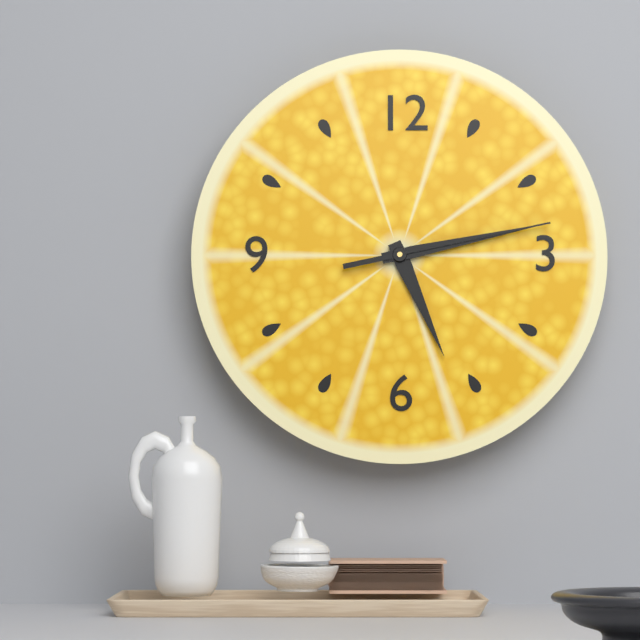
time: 5:13:13
